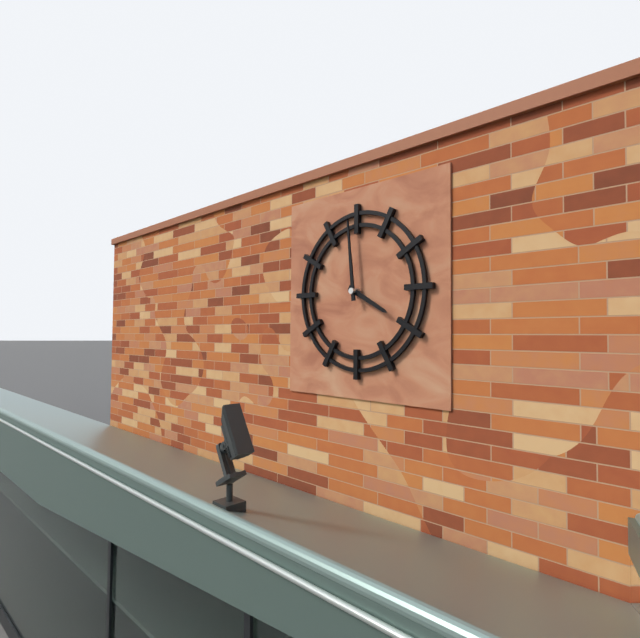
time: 3:59
